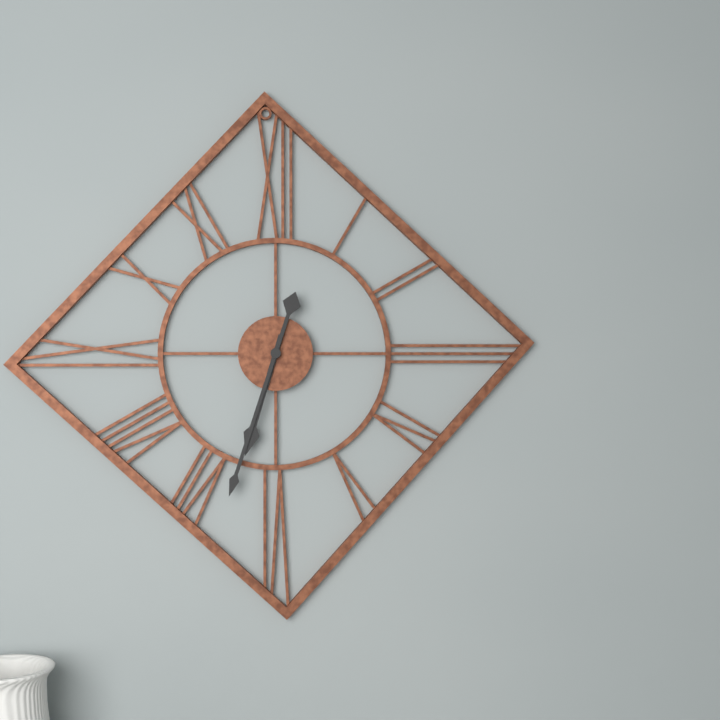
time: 6:33
